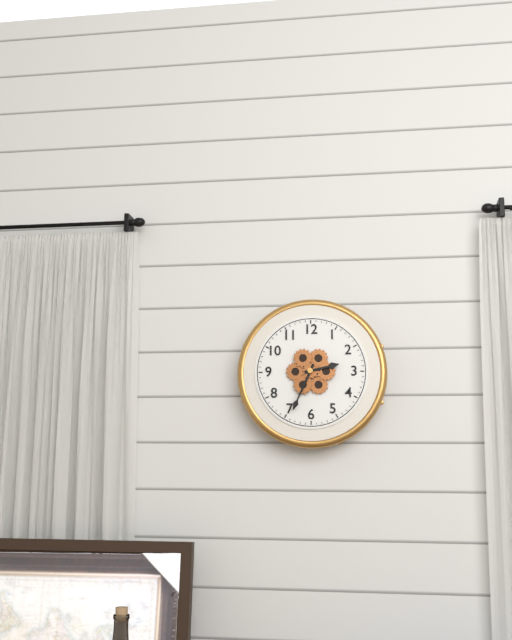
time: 2:34
